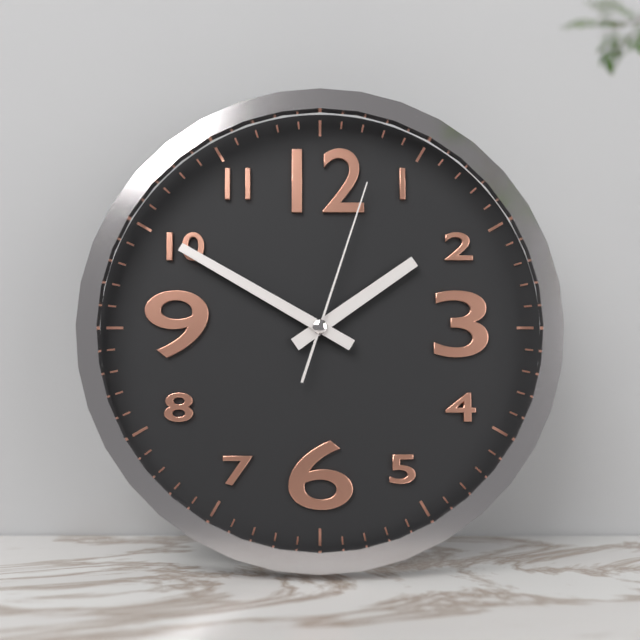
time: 1:50:03
